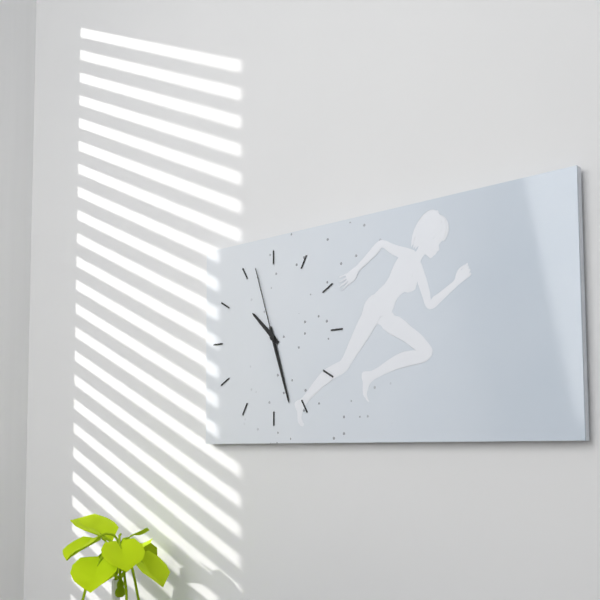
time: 10:27:57
